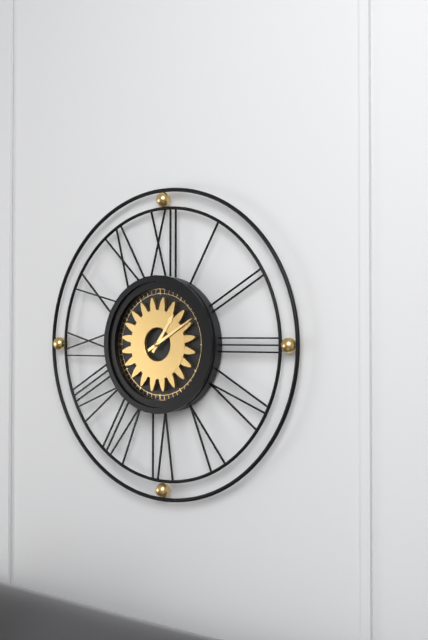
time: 1:10
